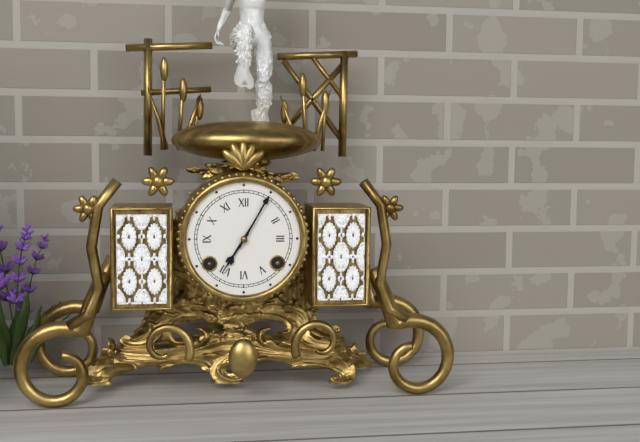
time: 7:05
